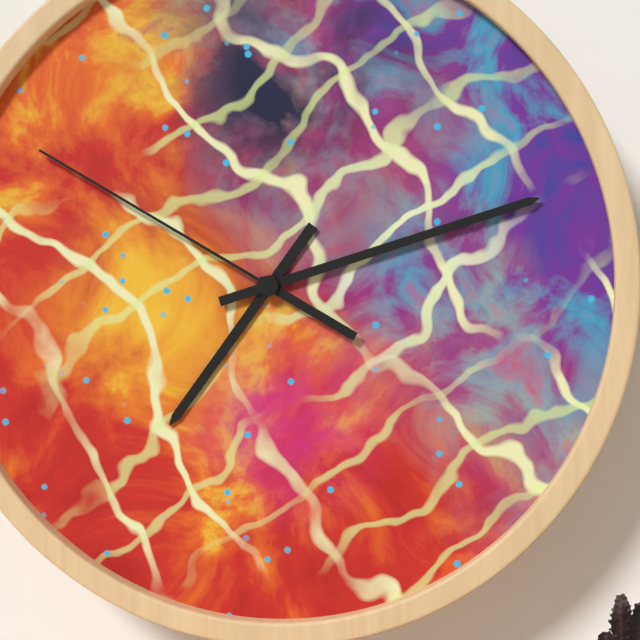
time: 7:12:50
